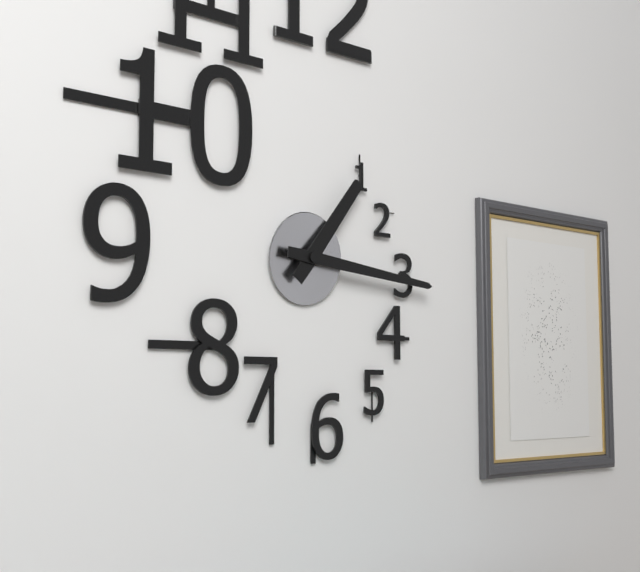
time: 1:16
